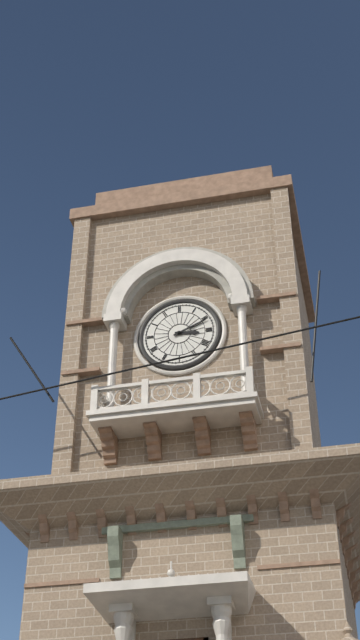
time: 3:11
